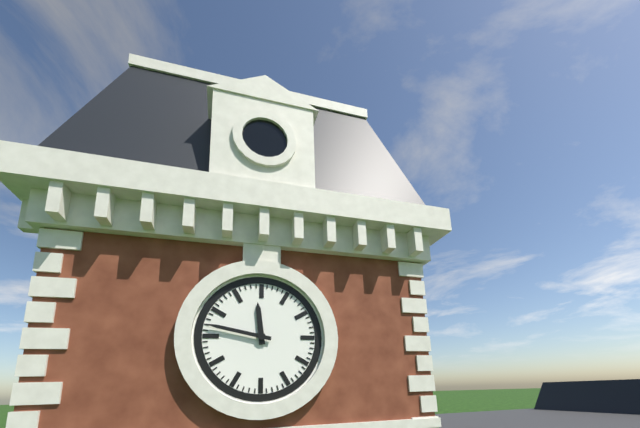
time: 11:47
